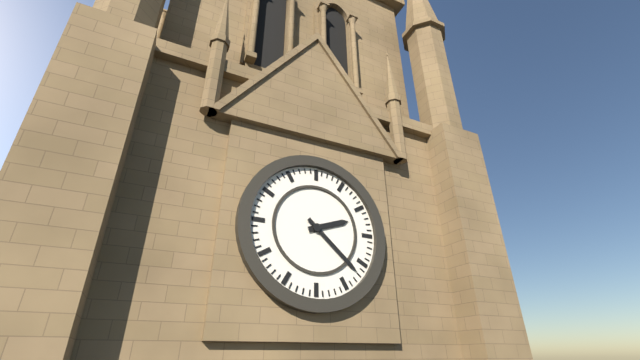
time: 2:22
